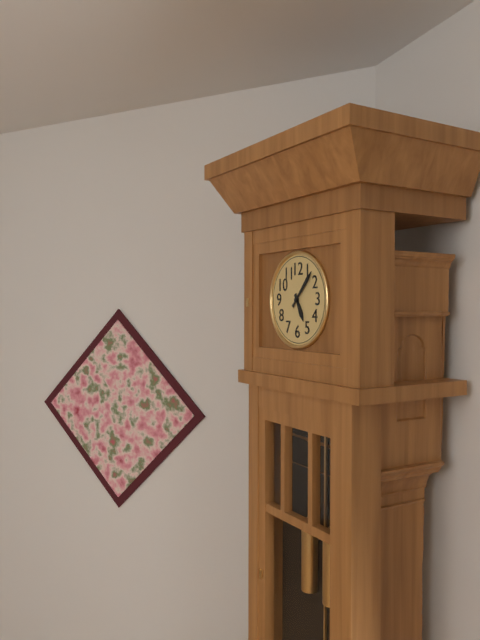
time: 5:07
